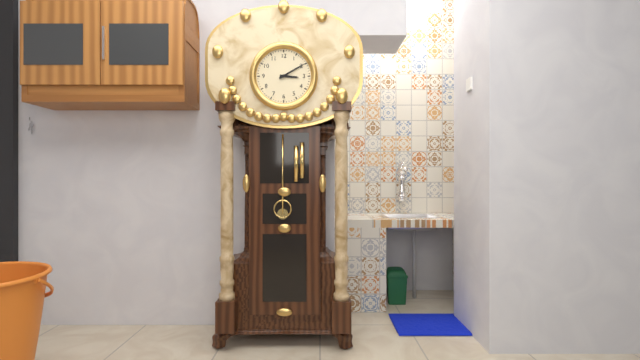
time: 3:10
